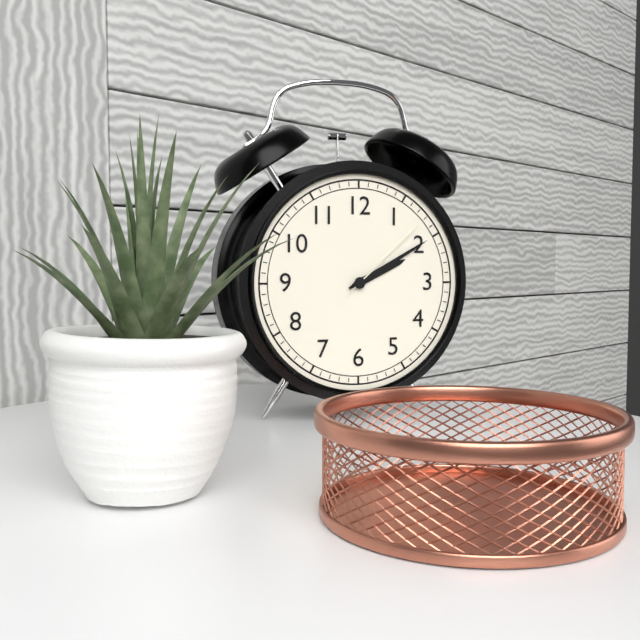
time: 2:10:08
